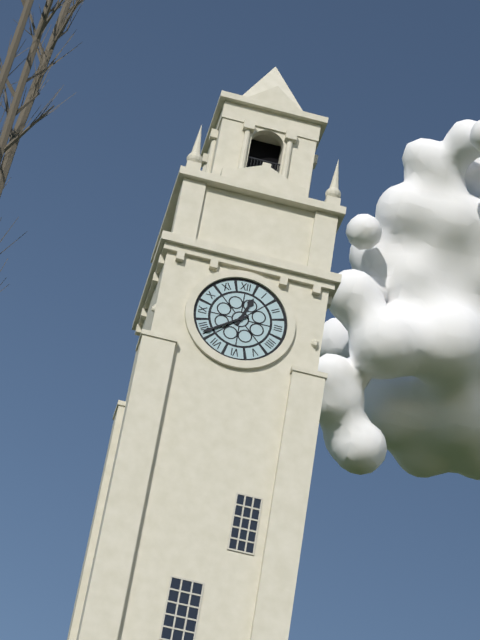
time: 12:39
